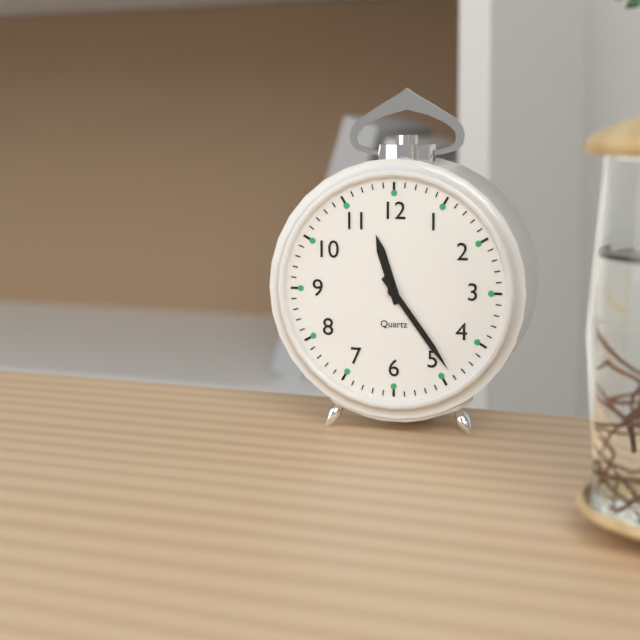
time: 11:24
